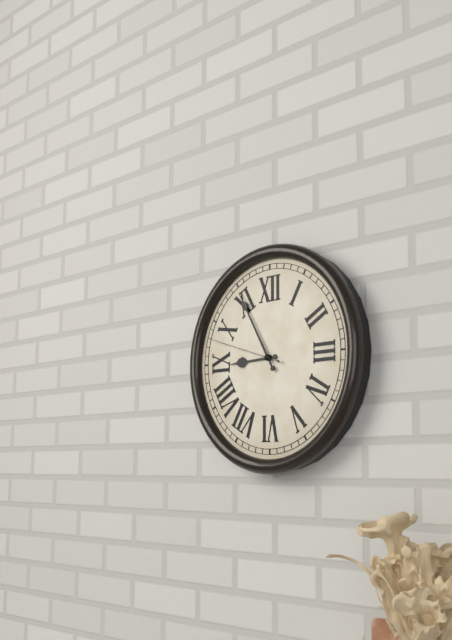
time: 8:55:48
